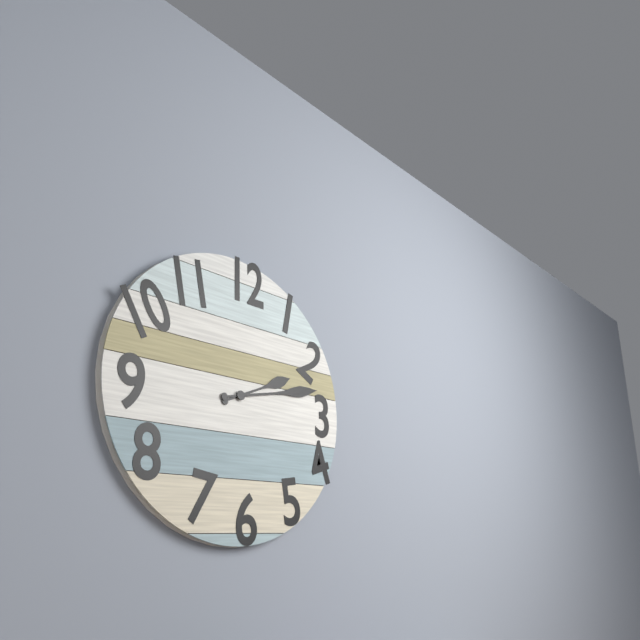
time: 2:13
